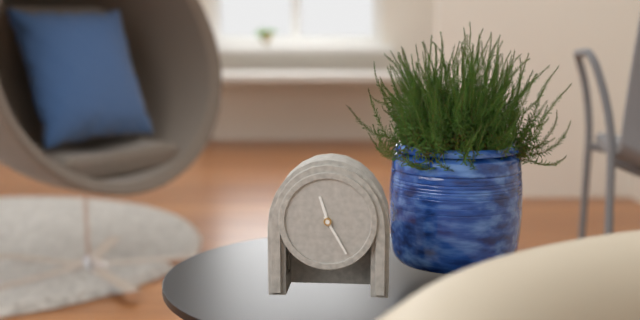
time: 11:25
